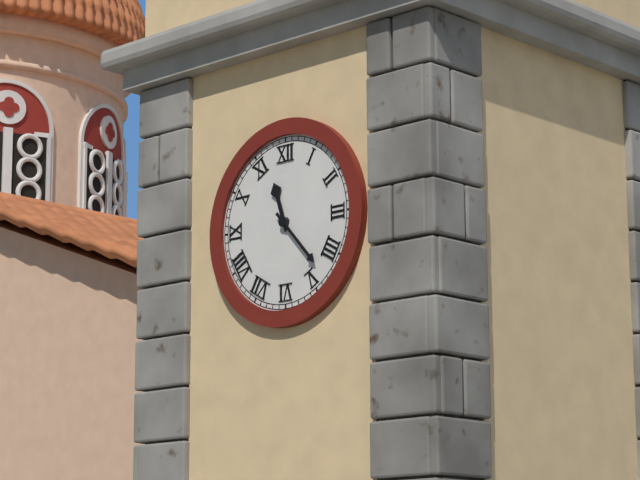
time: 11:23
